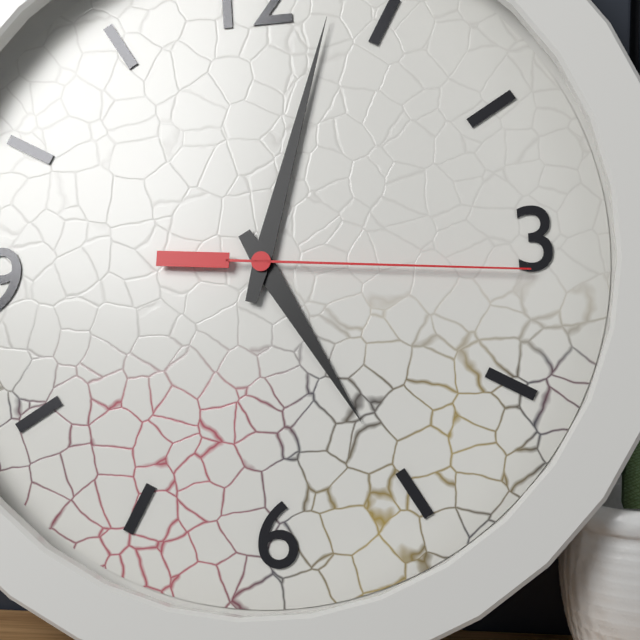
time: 5:03:16
